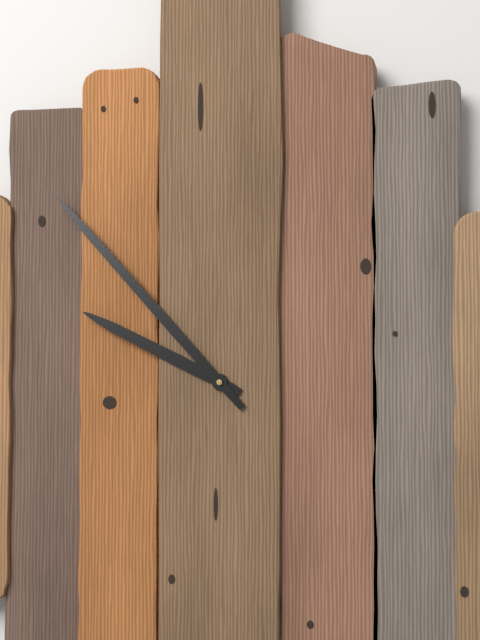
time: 9:53
